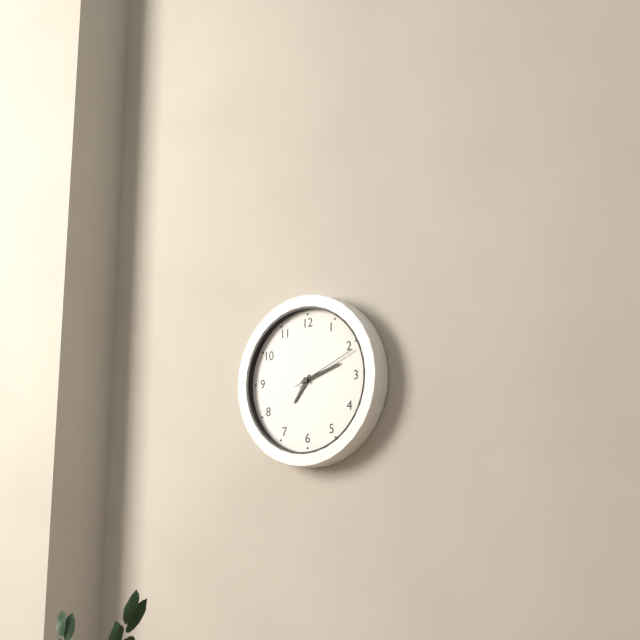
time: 7:12:11
